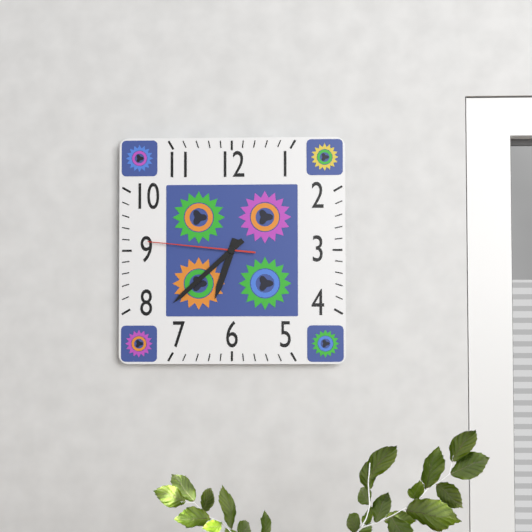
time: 6:38:46
